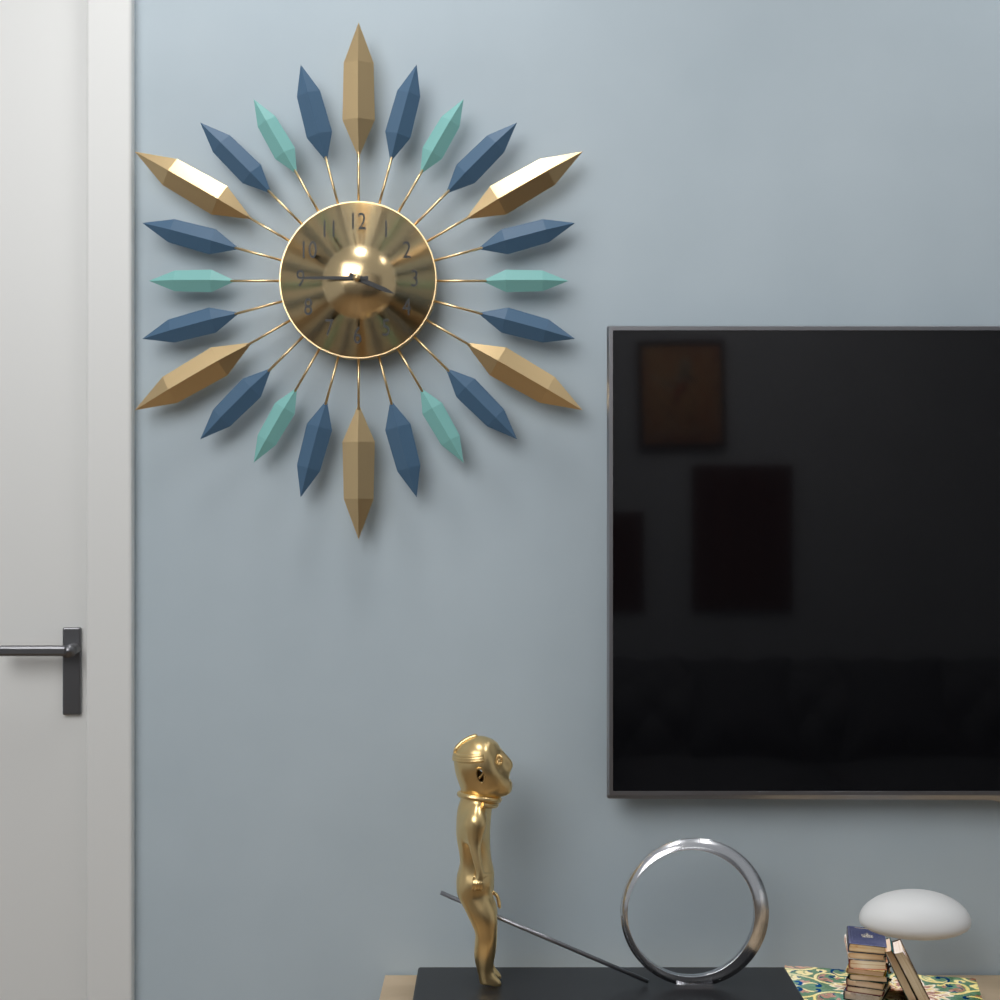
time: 3:45
